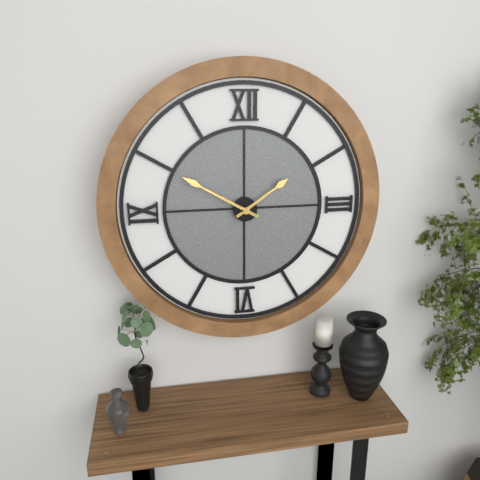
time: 1:50
